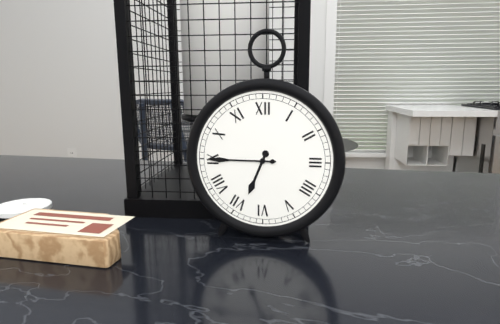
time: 6:45
